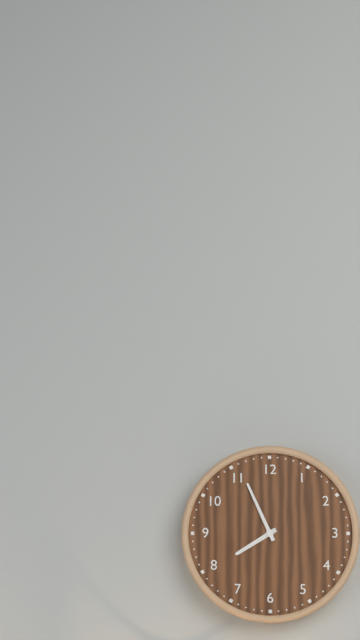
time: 7:56
